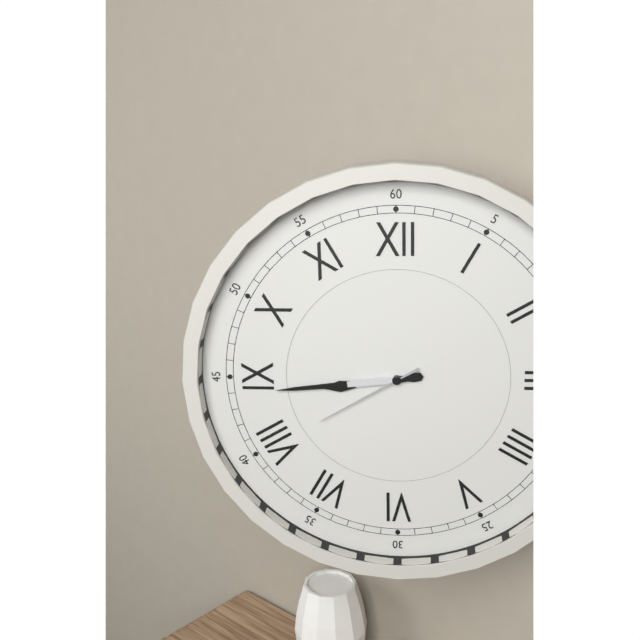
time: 8:44:40
